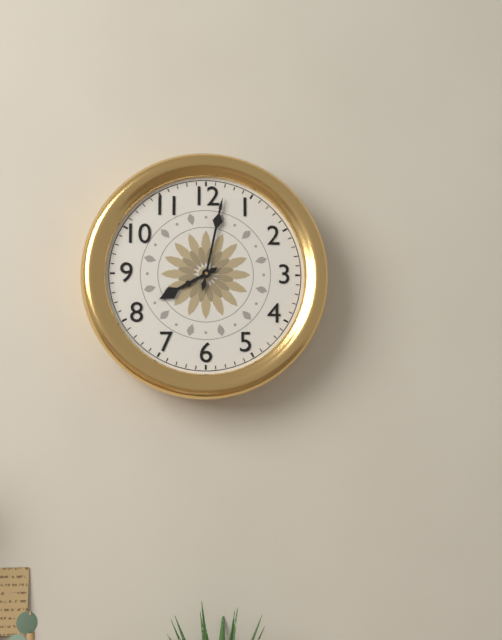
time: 8:02
